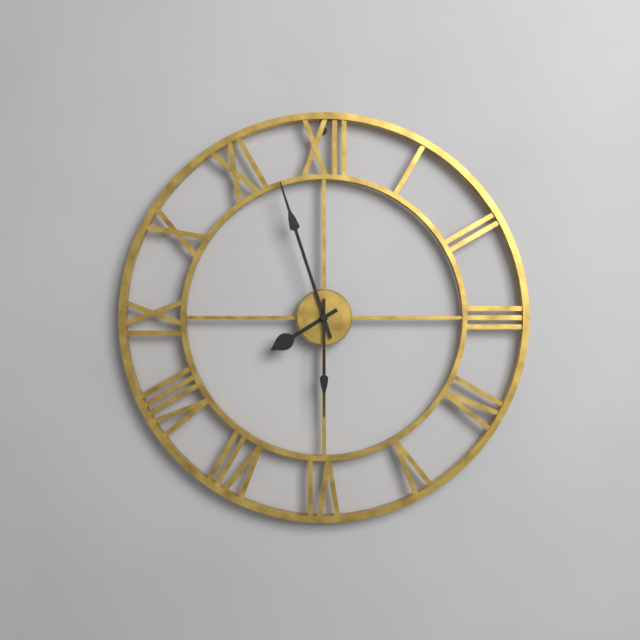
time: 7:57:30
